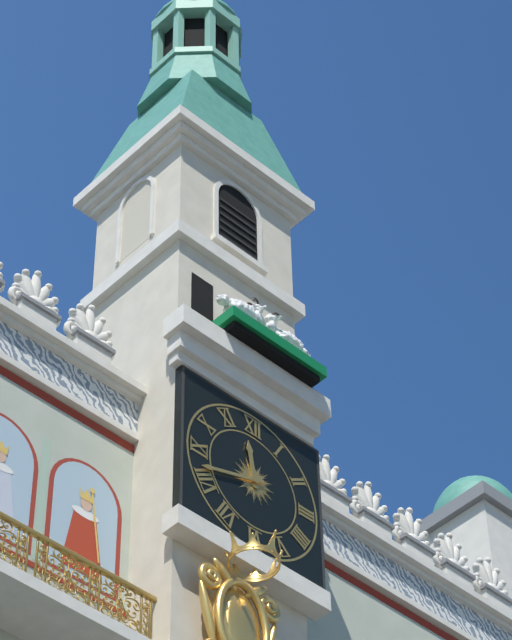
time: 11:42
